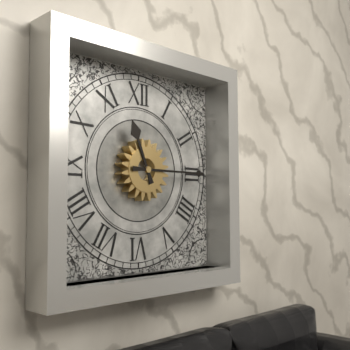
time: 11:15
